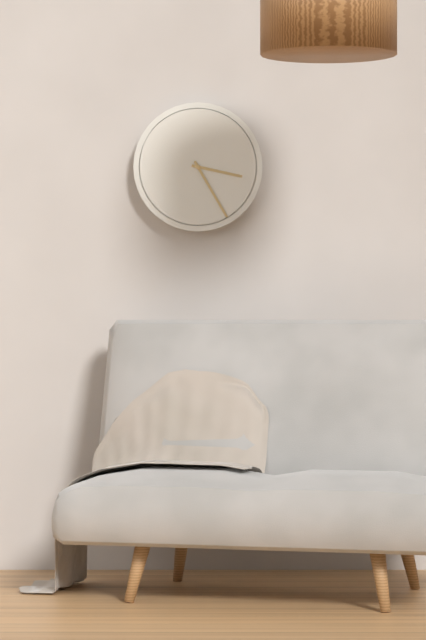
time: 3:25
